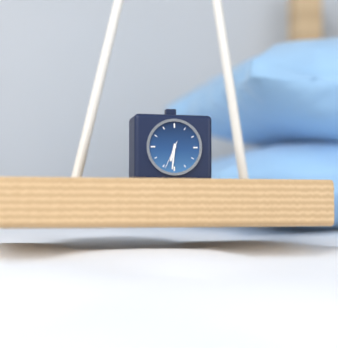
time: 6:31
